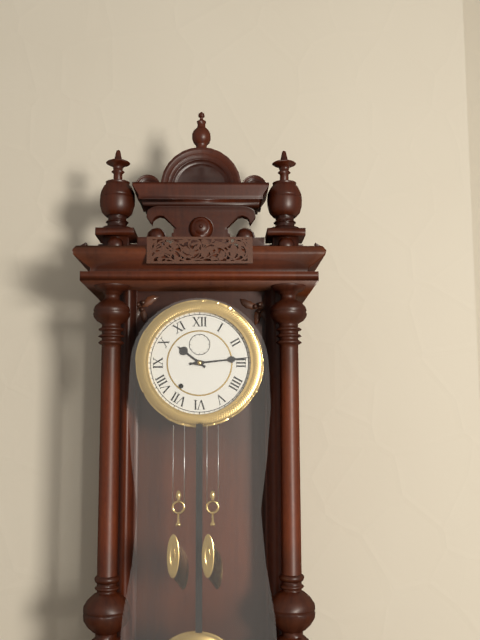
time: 10:14
